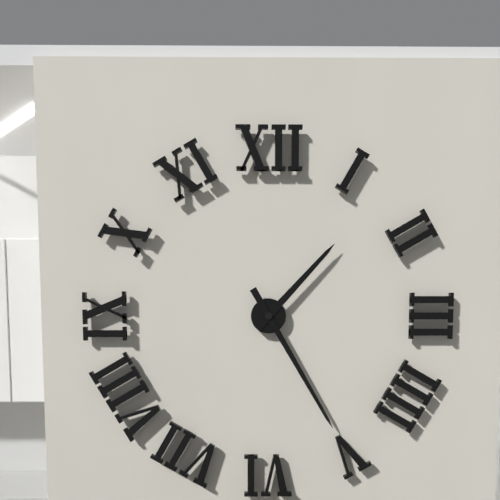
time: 1:25
